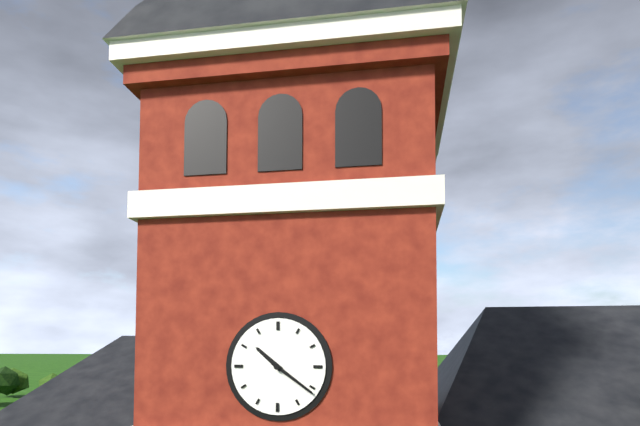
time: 10:21
